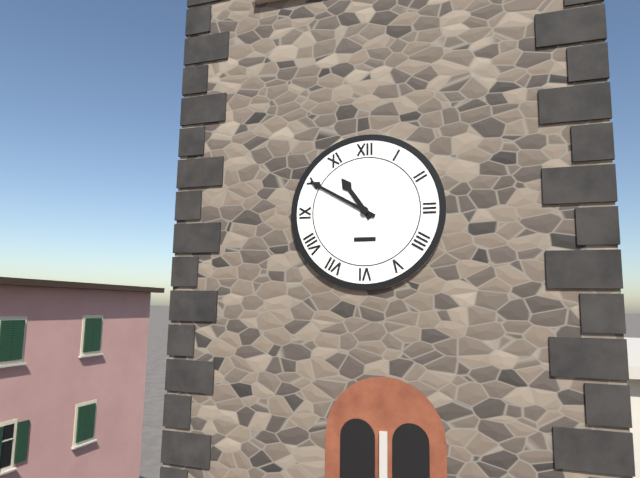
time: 10:50
